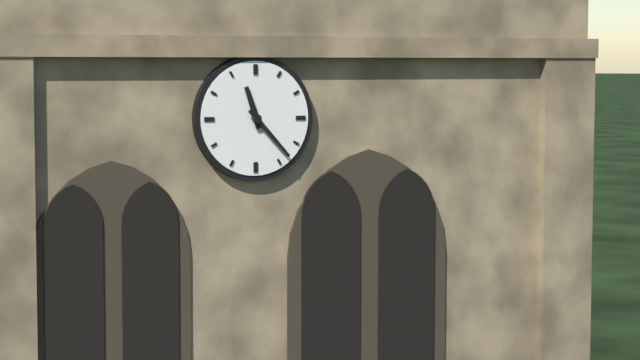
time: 11:23
